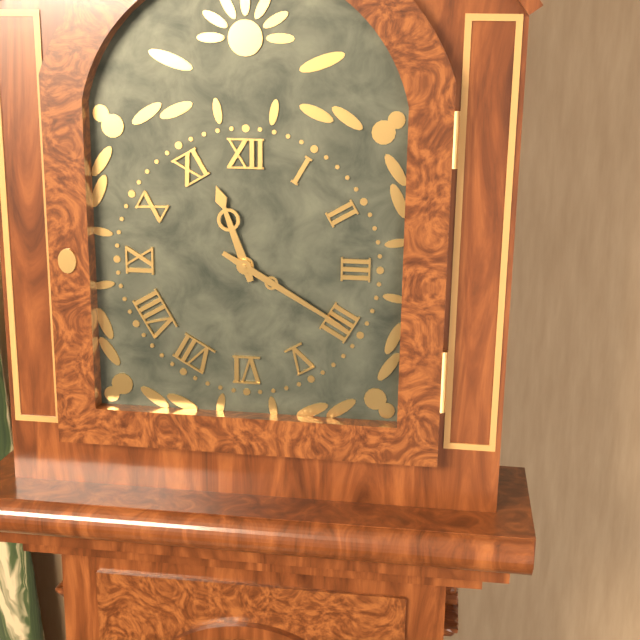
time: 11:20
